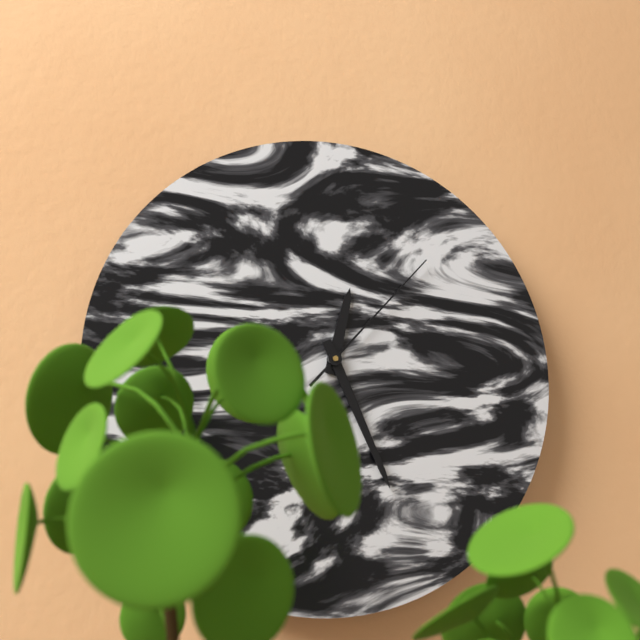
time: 12:26:07
